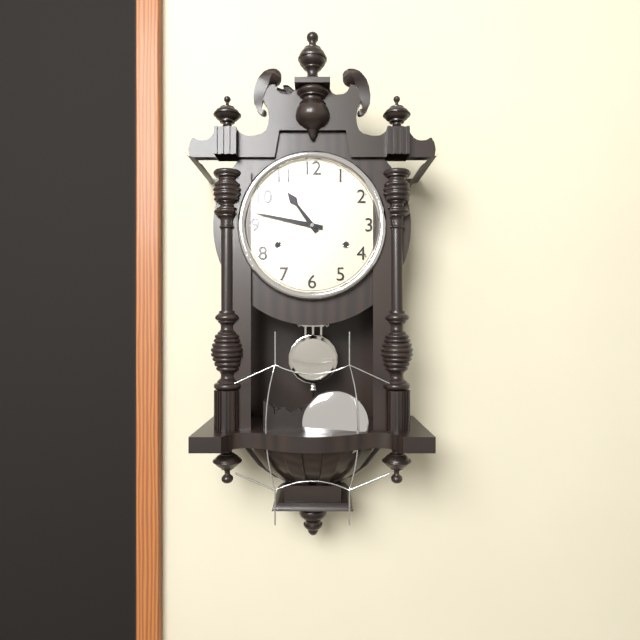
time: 10:47
